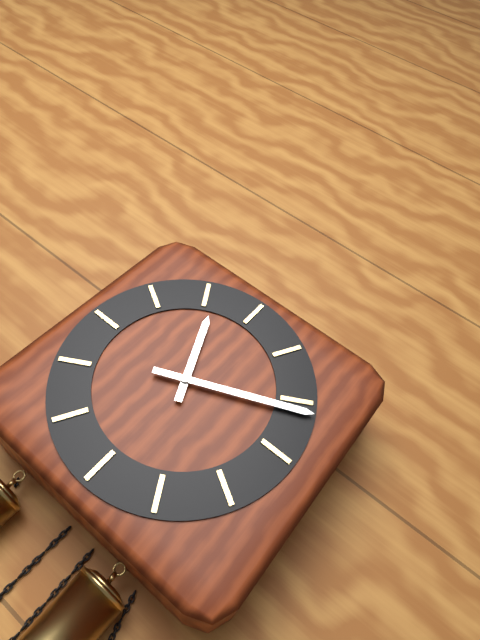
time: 11:11
